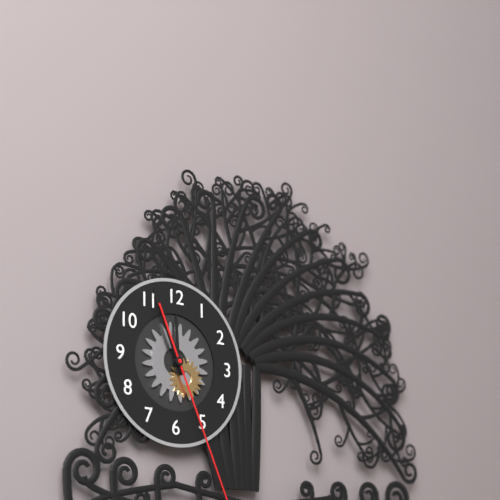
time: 11:56
